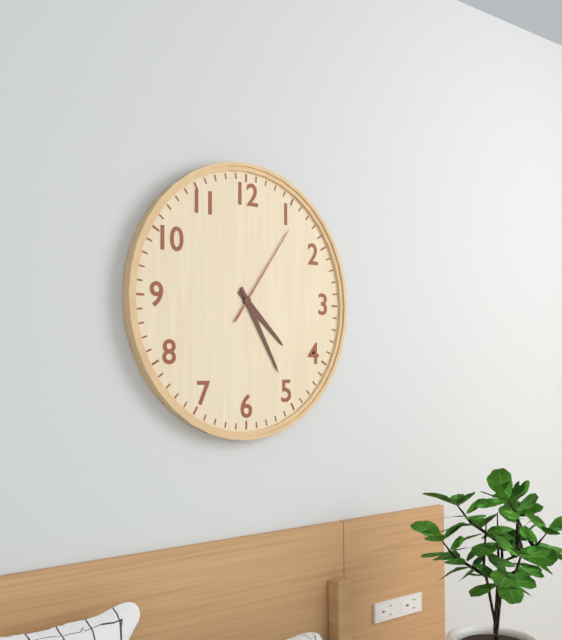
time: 4:25:06
